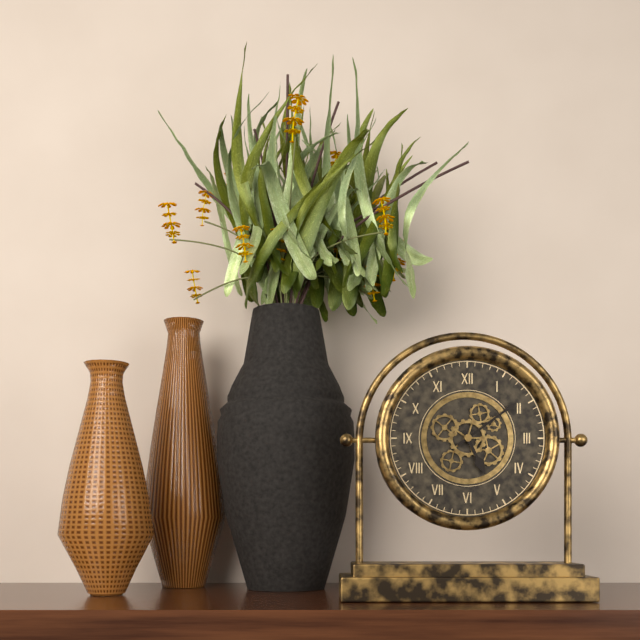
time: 5:09
